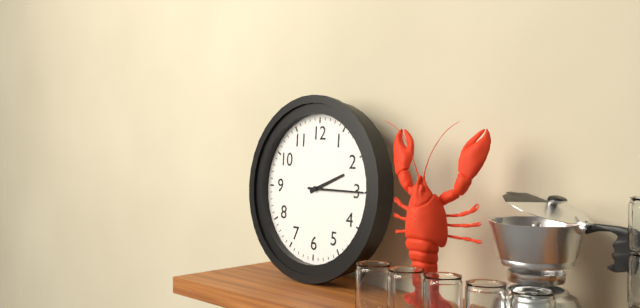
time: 2:15
